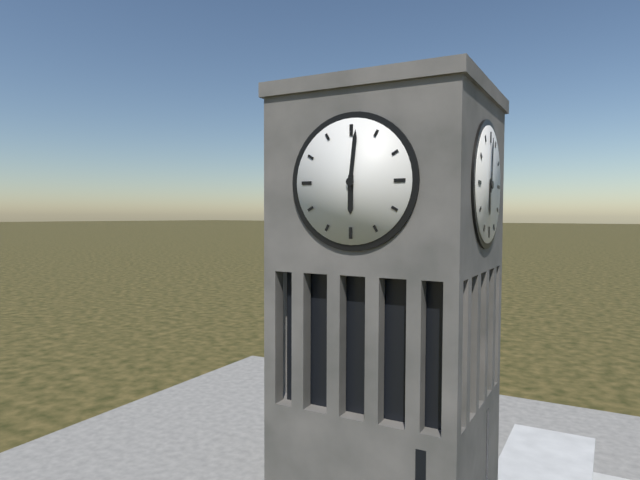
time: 6:01
